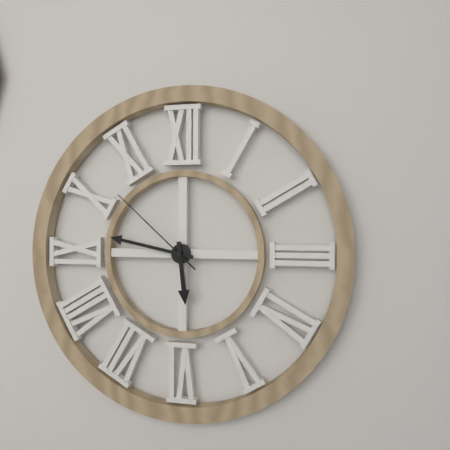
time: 5:47:52
